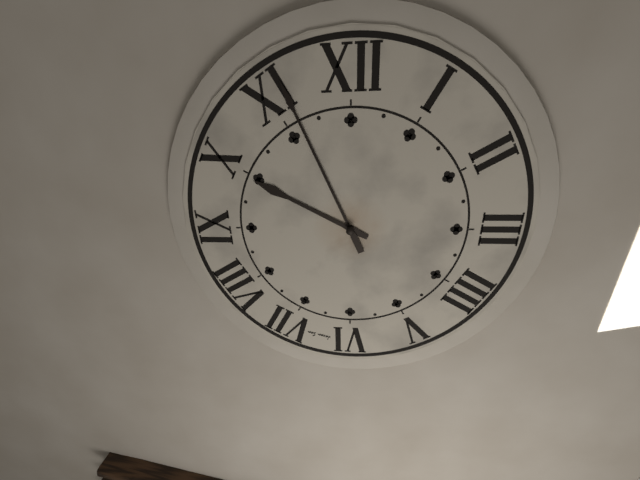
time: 9:56
